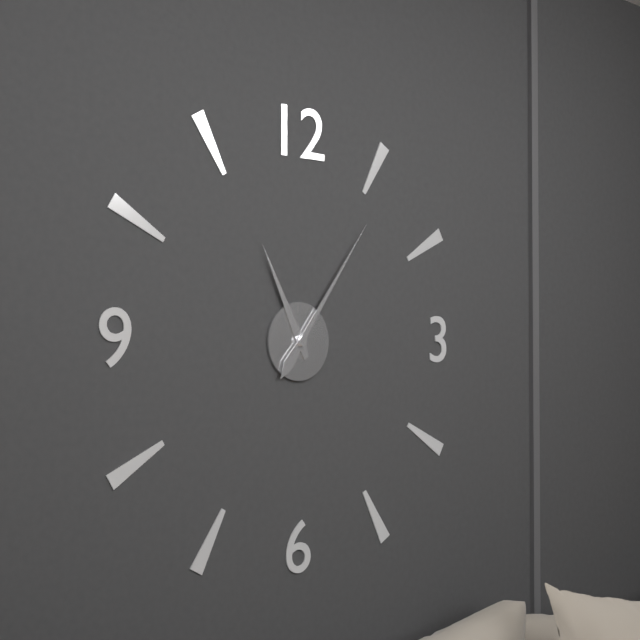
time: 11:06
